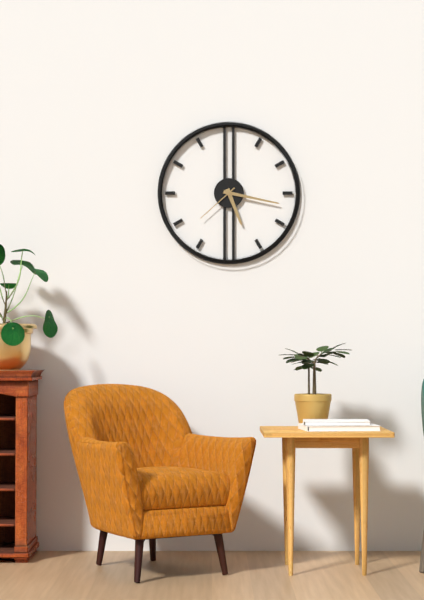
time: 5:17
